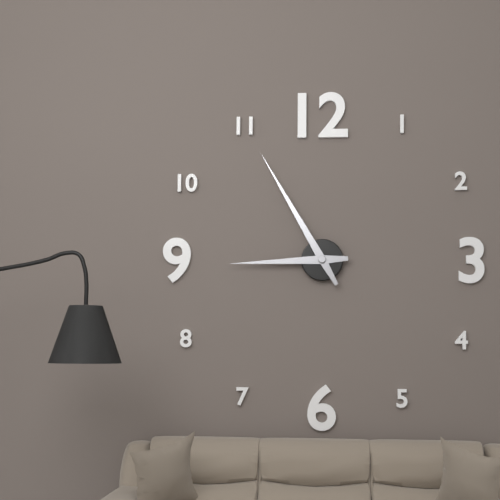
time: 8:55
